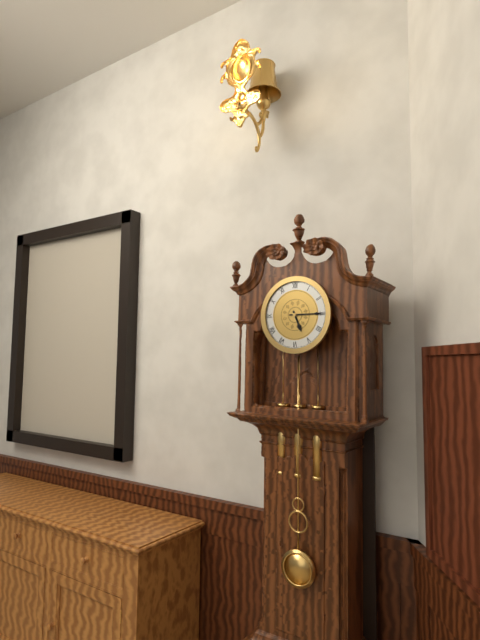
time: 5:15
